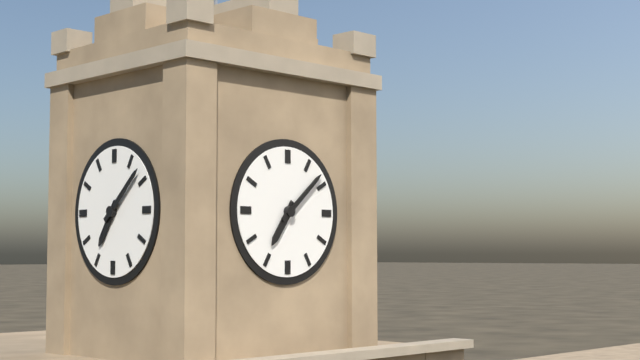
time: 7:08
